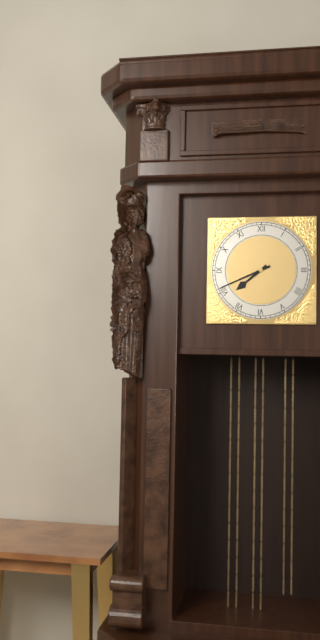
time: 7:41
